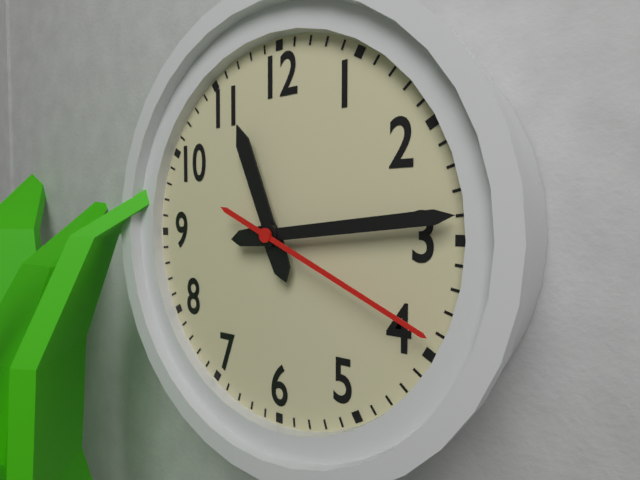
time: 11:14:19
